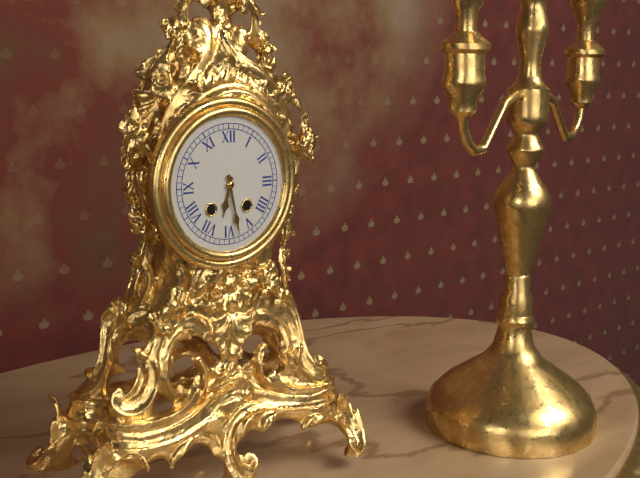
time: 6:28
